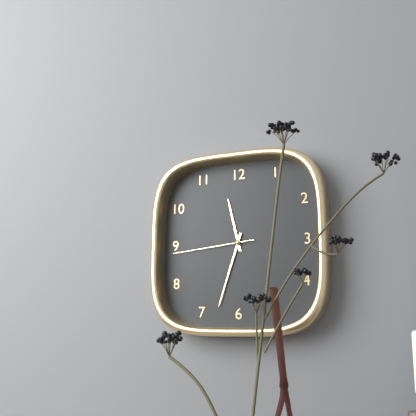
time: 11:33:44
